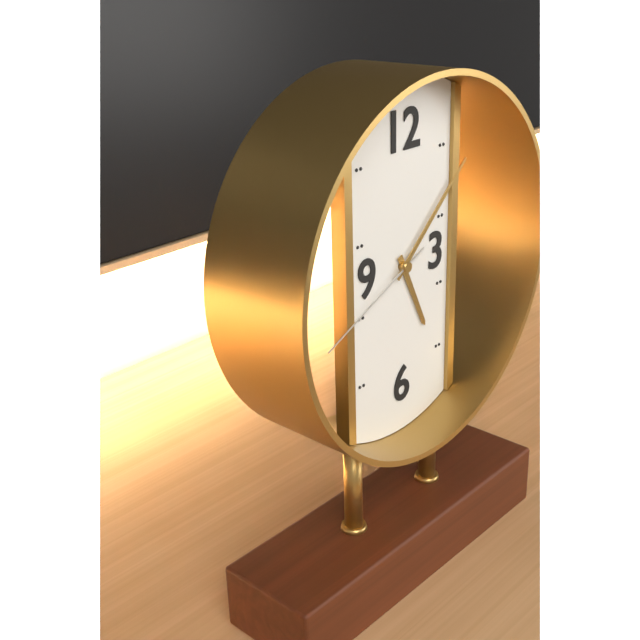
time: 5:08:41
